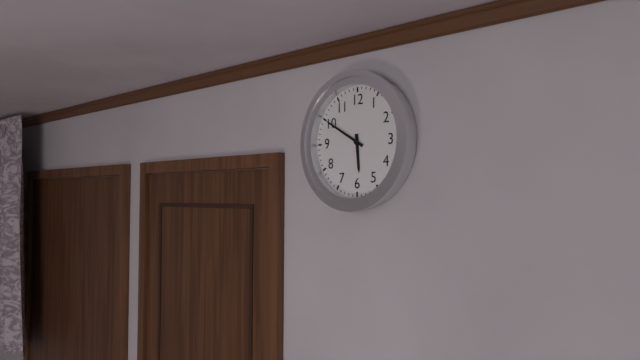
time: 5:50
